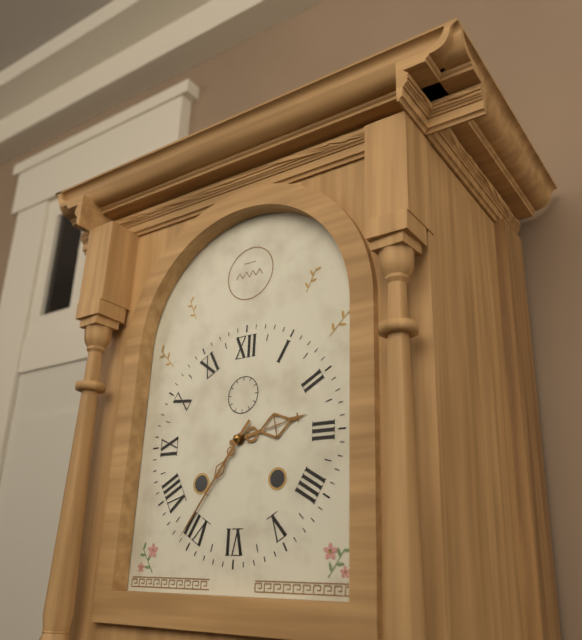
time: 2:36
